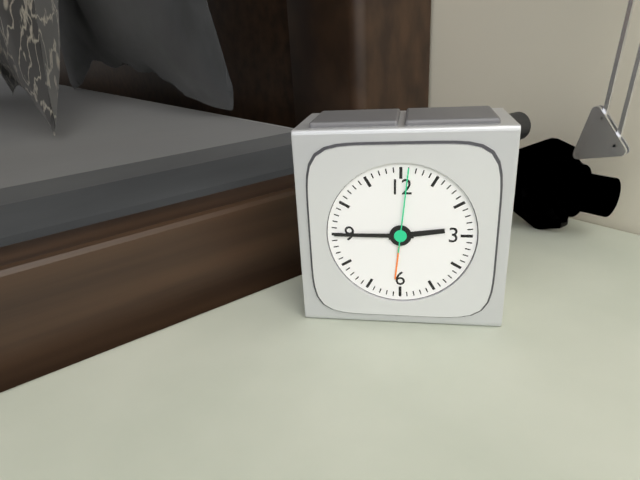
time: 2:45:01
